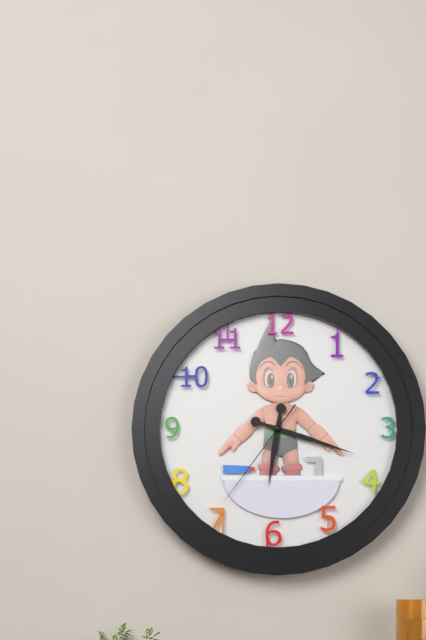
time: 6:18:36
